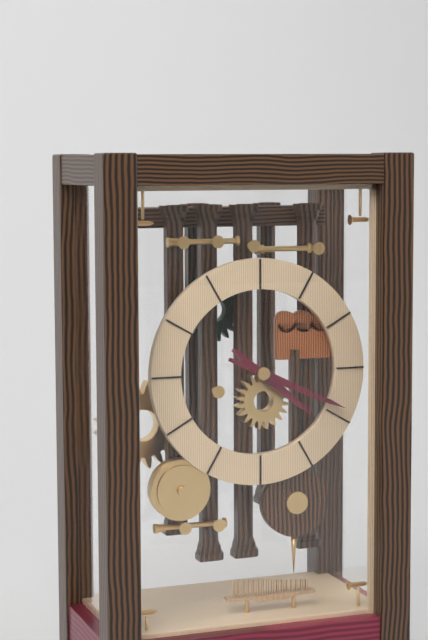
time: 4:19
